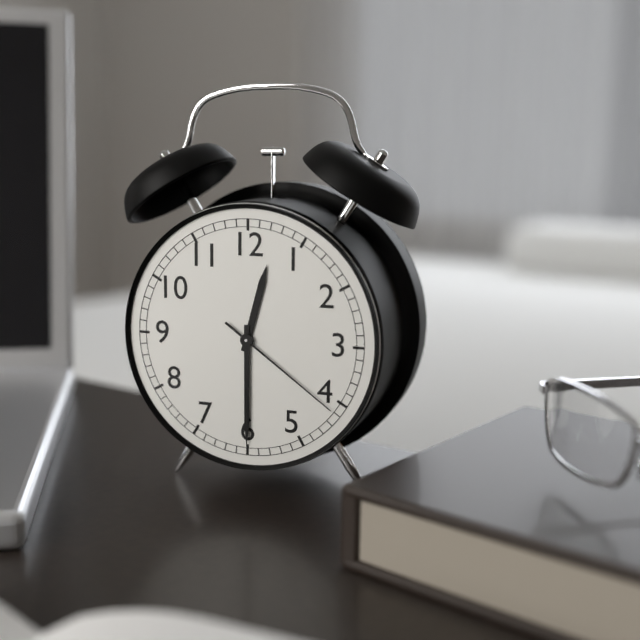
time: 12:30:21
